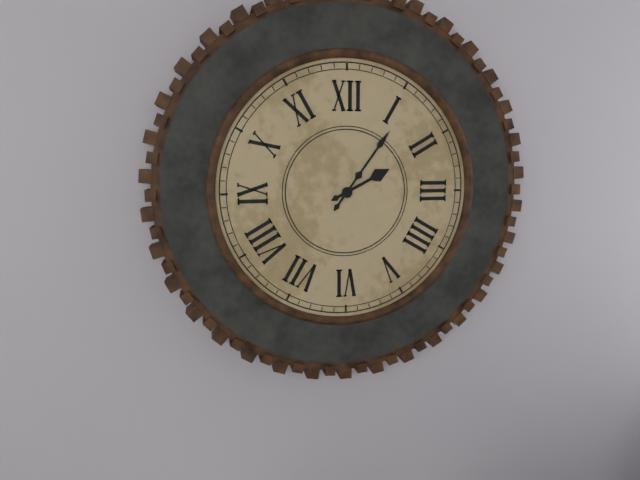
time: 2:06
